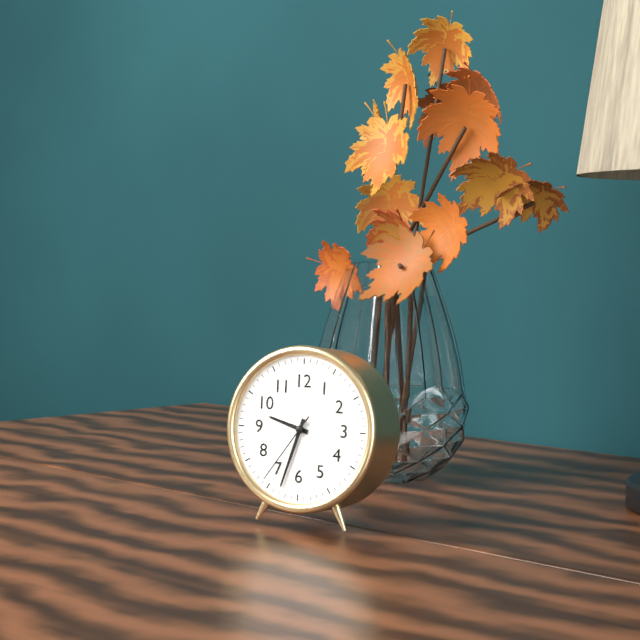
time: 9:33:36
